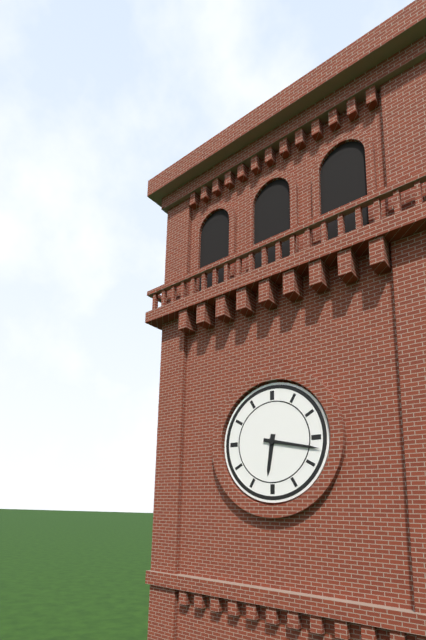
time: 6:17
